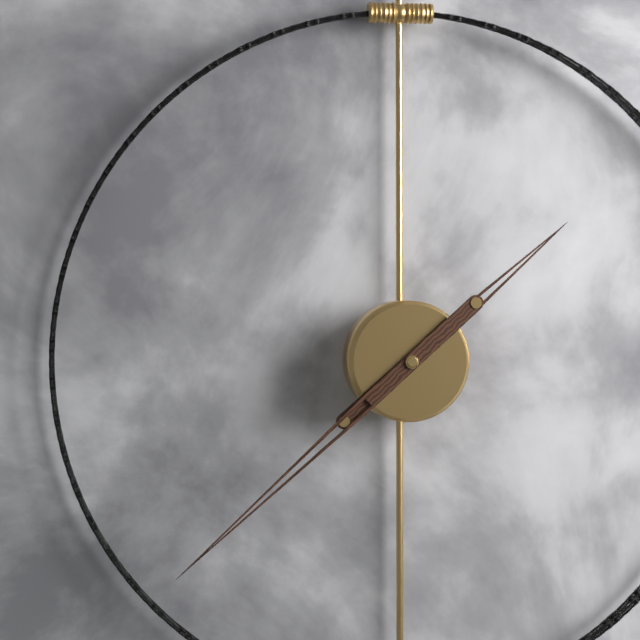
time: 1:38
